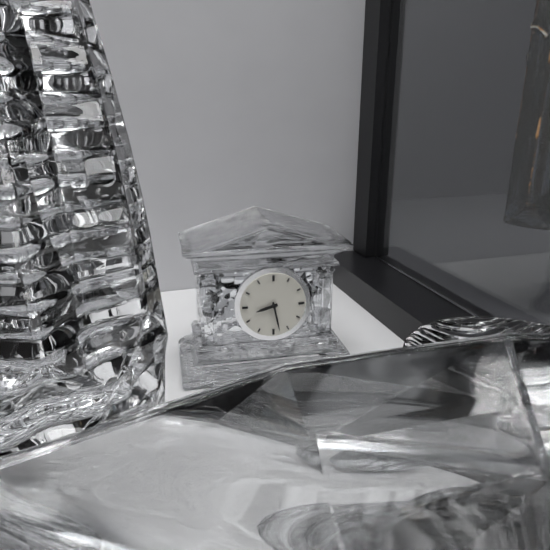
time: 8:28
